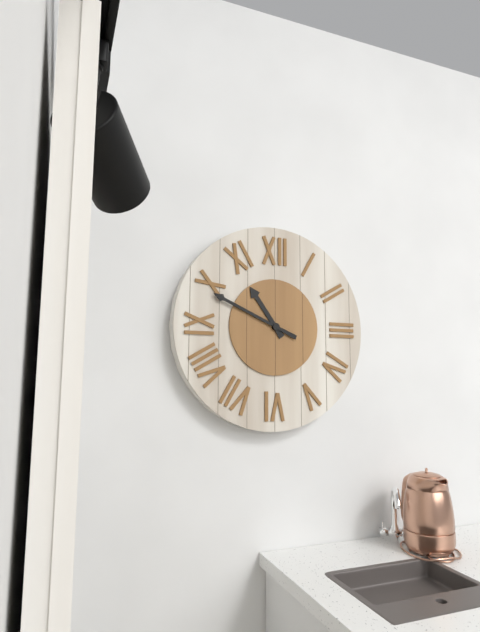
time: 10:49
